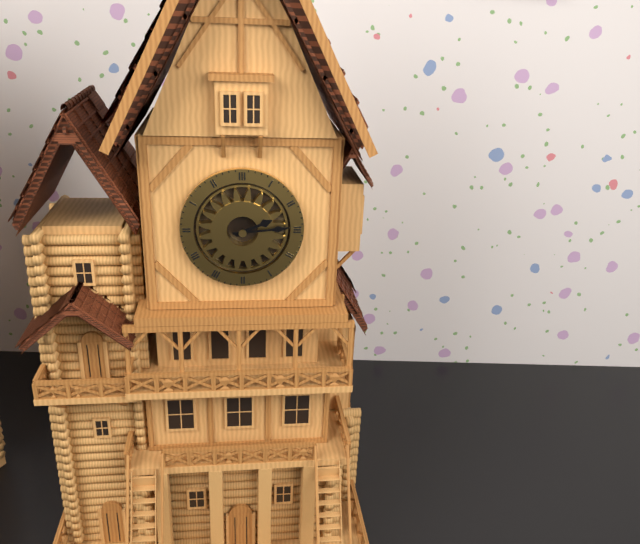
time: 2:14
